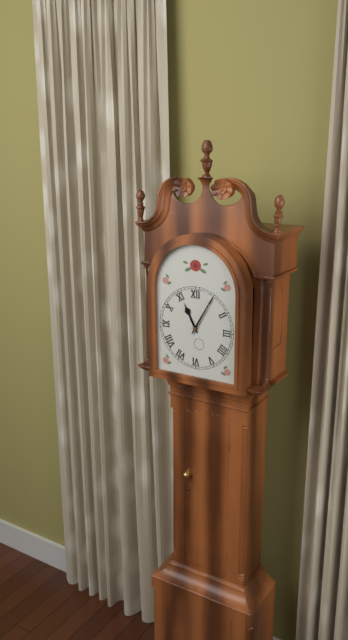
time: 11:05
